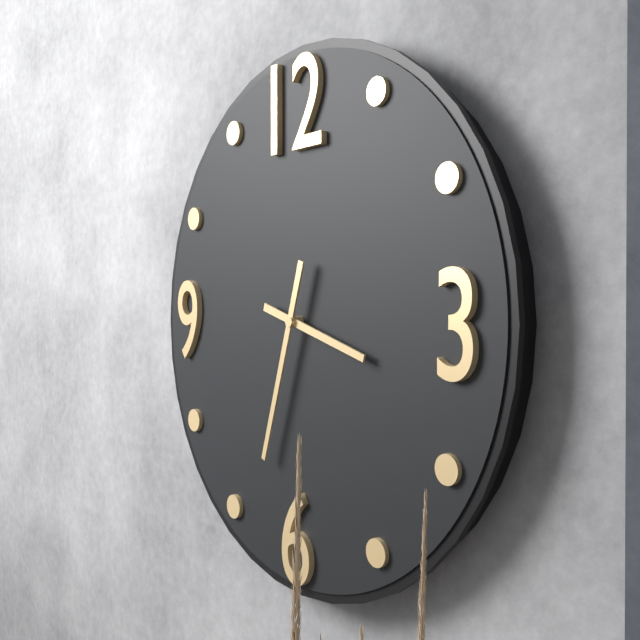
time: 3:33
